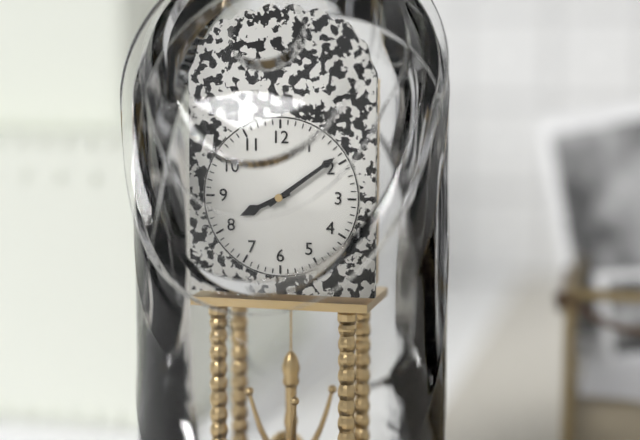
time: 8:09
